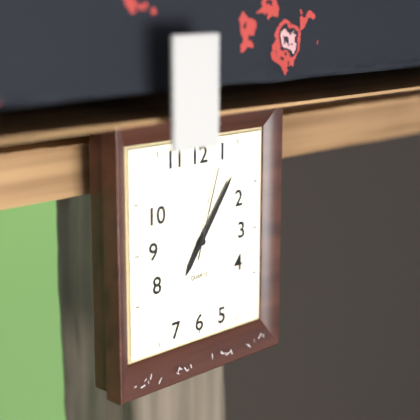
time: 7:06:03
